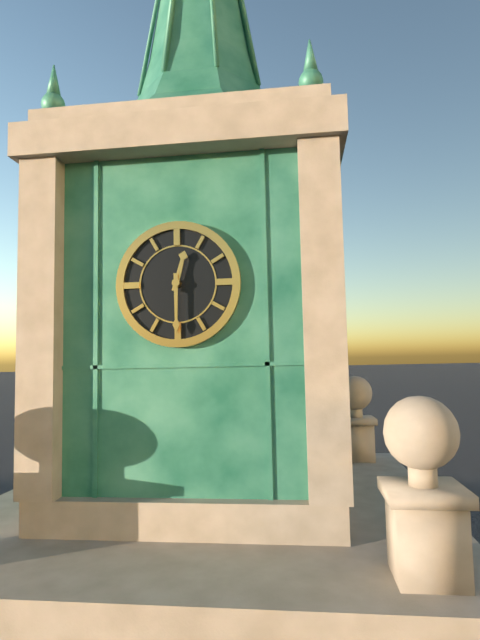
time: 12:30
